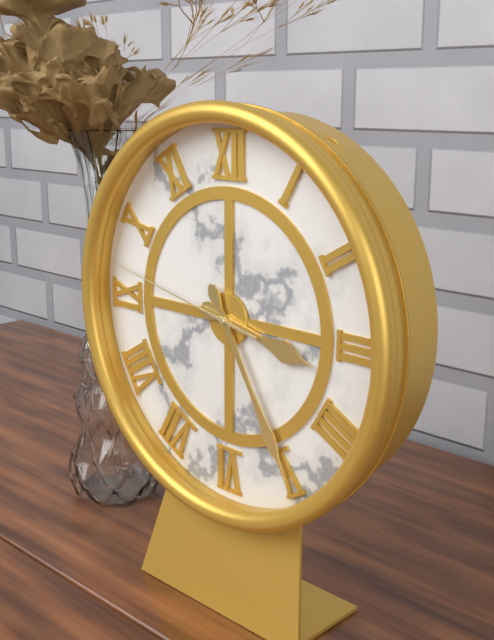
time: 3:25:47
